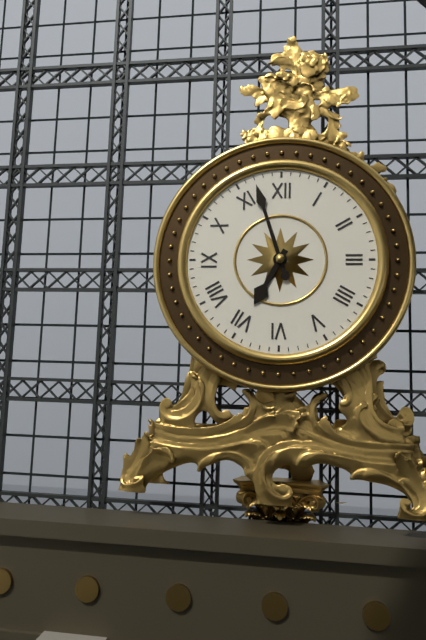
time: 6:57
